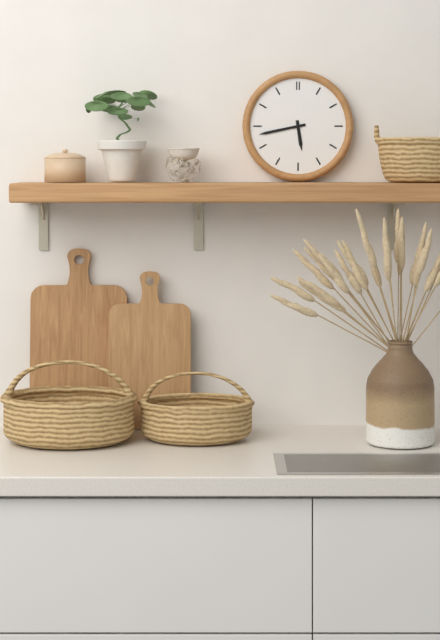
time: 5:43
